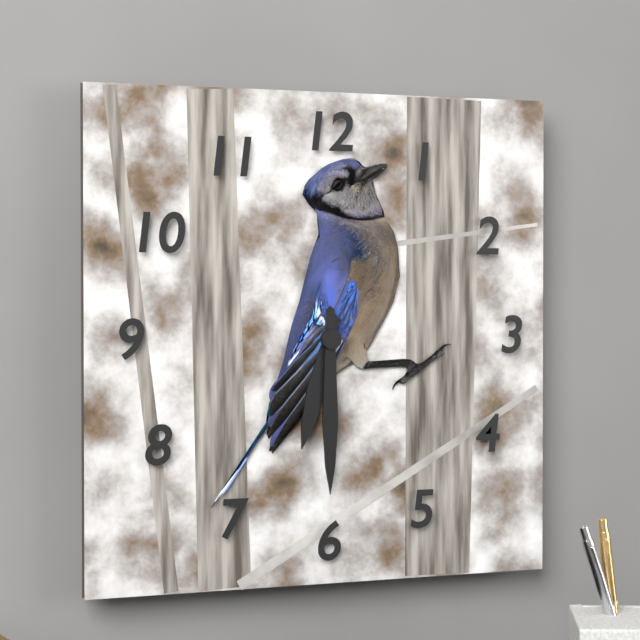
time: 6:30
